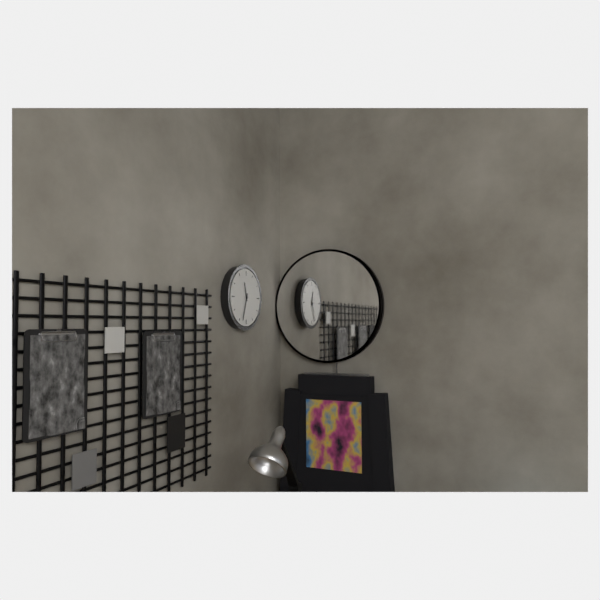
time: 11:33
